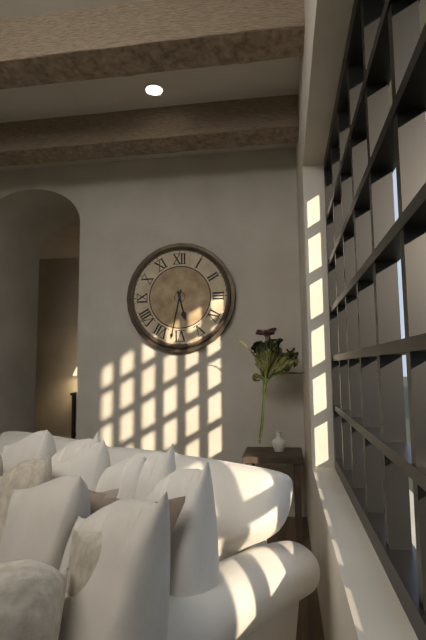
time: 5:32
